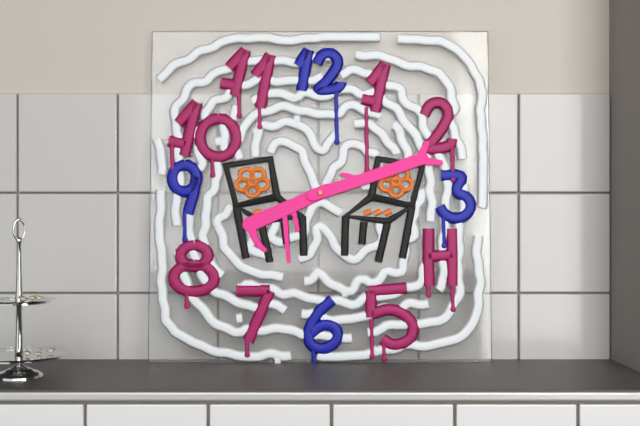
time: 8:12
